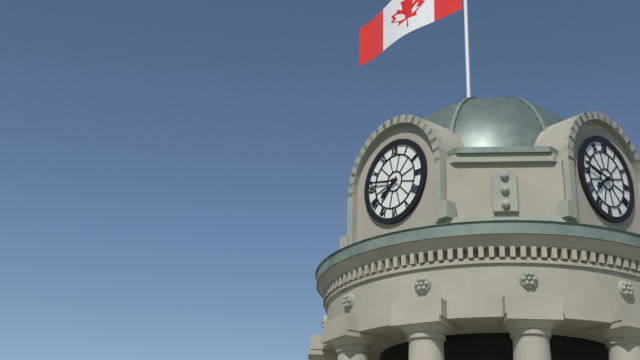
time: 7:47
